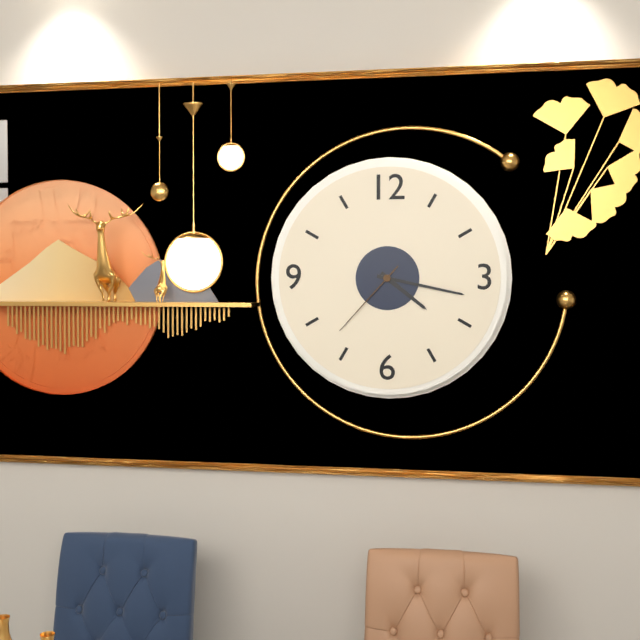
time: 4:17:37
